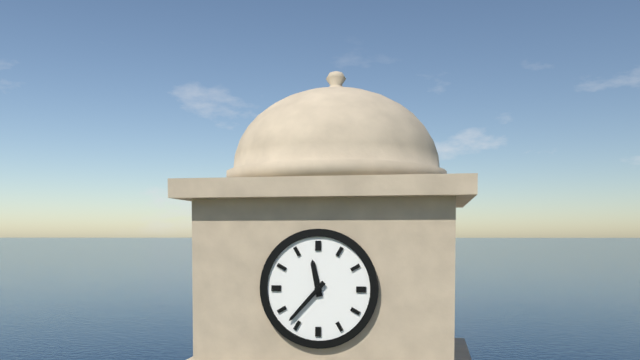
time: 11:37
